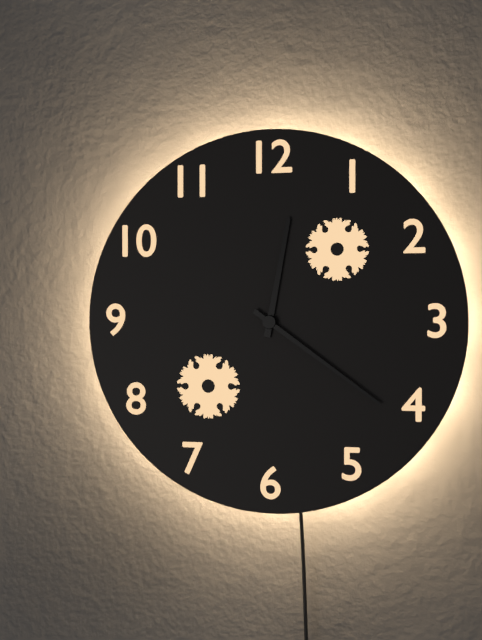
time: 12:21
